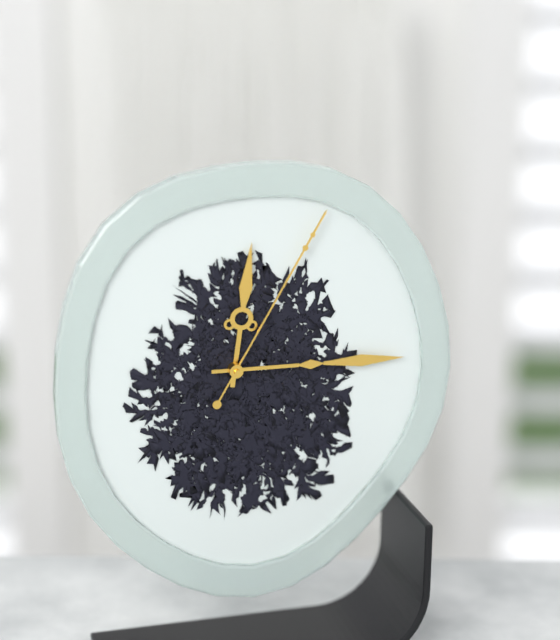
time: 12:15:05
